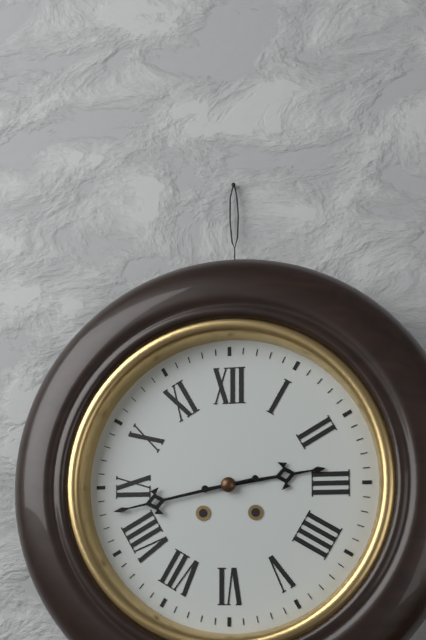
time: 2:43
